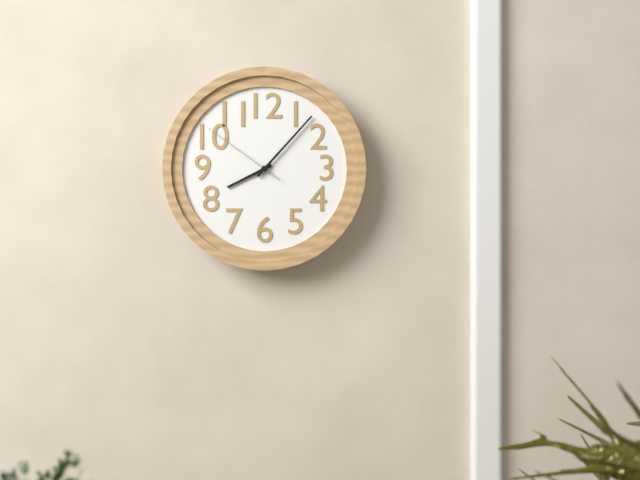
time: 8:07:51
